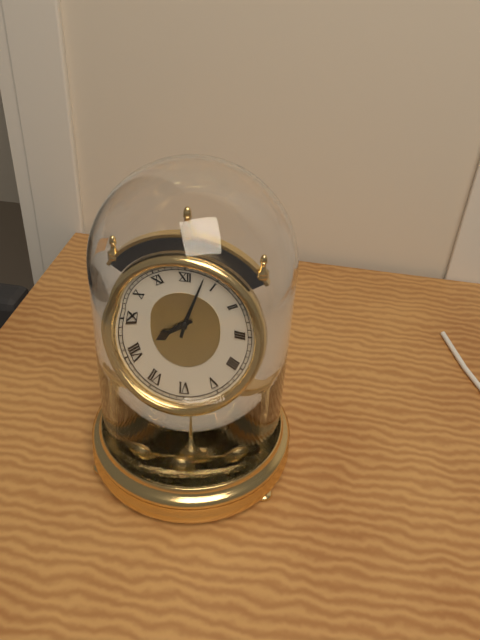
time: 8:03
